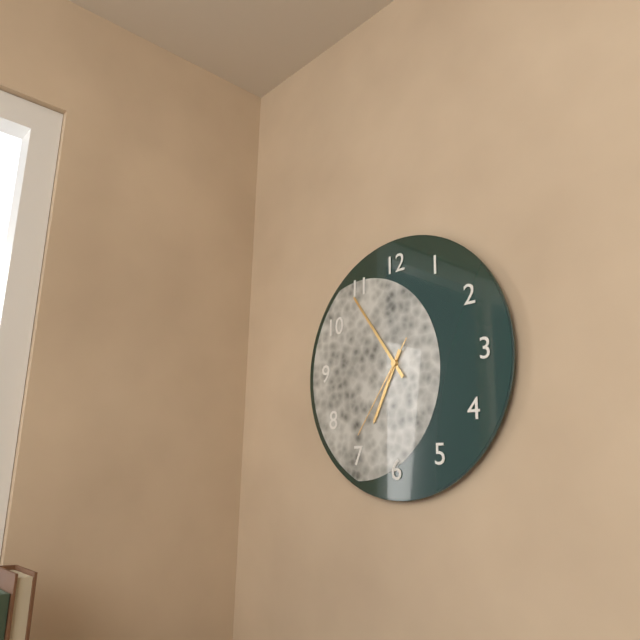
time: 6:54:36
